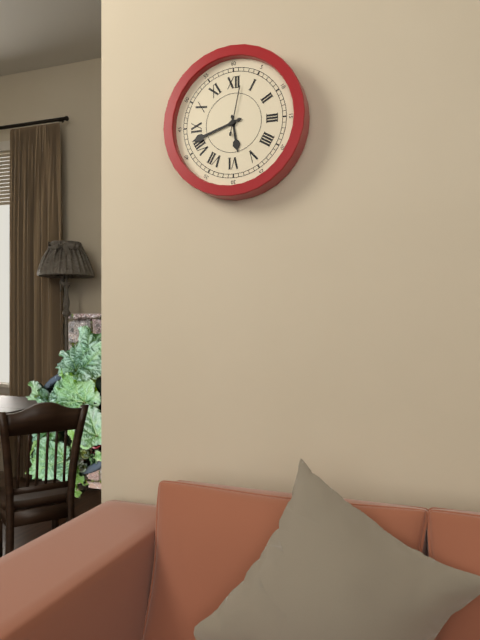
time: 5:42
